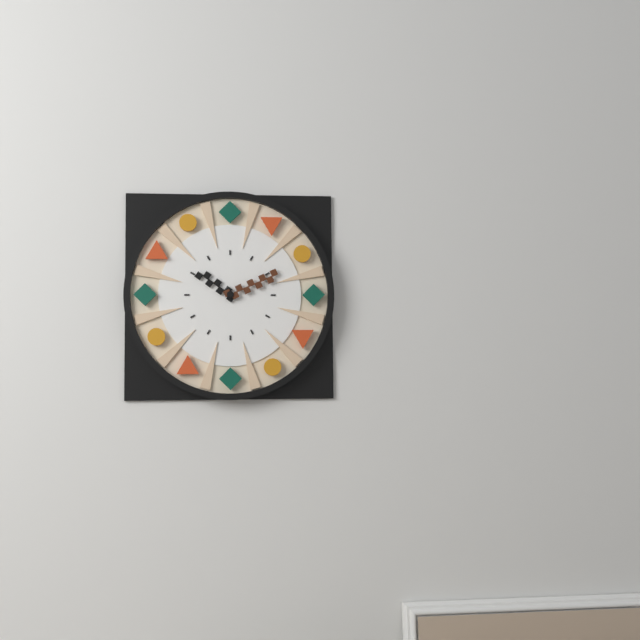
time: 10:11
